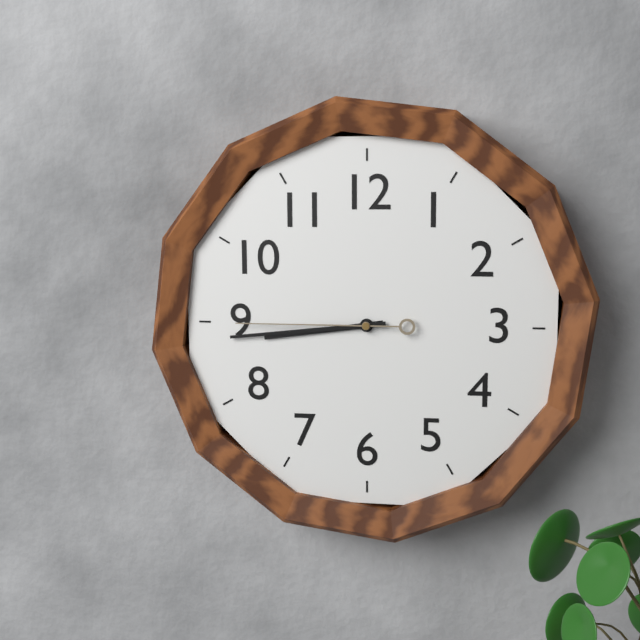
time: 8:44:45
